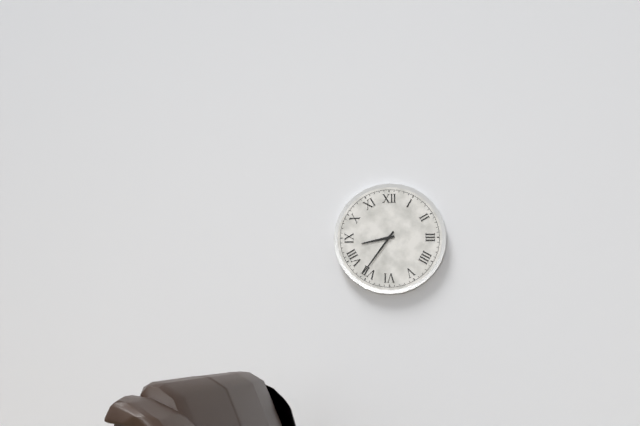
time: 8:36
